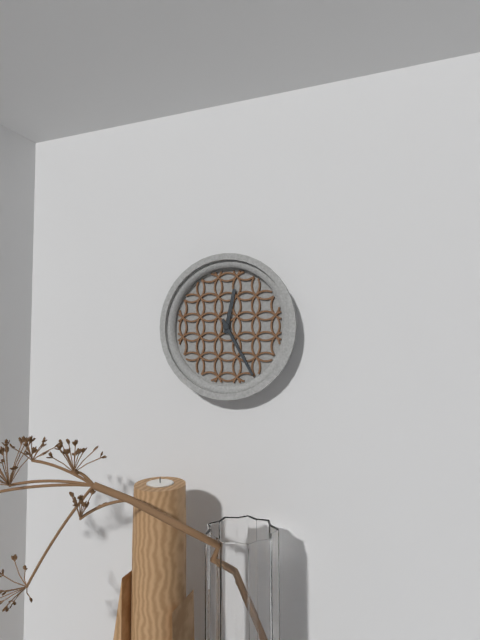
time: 12:25
